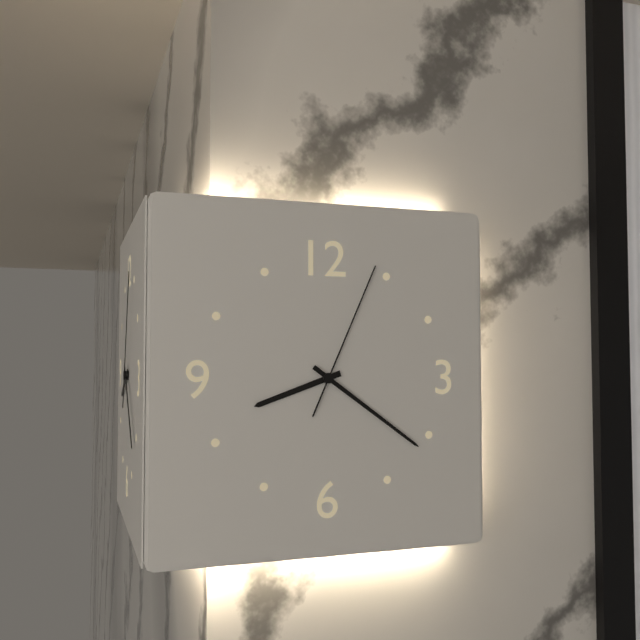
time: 8:21:04
